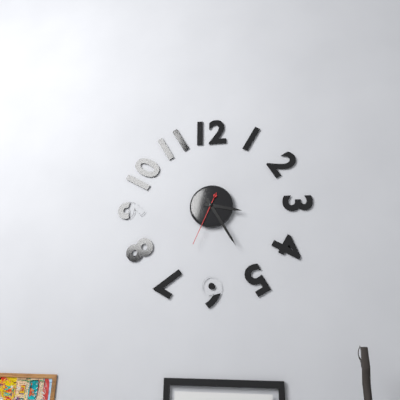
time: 3:25:34
